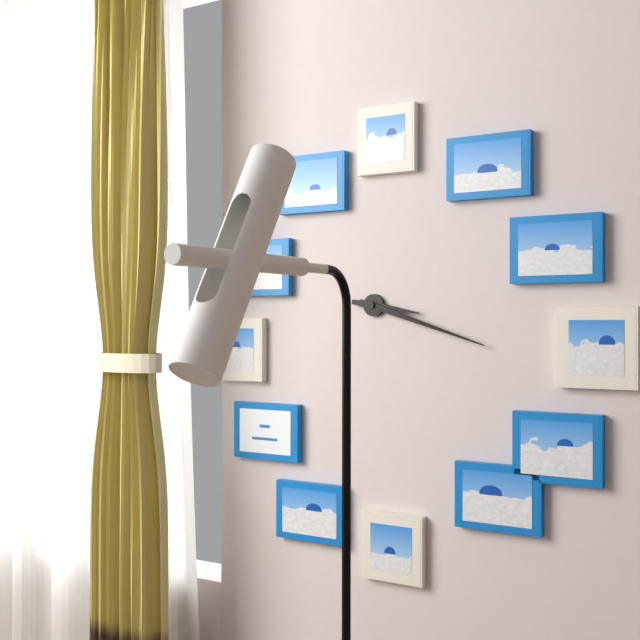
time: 3:18
